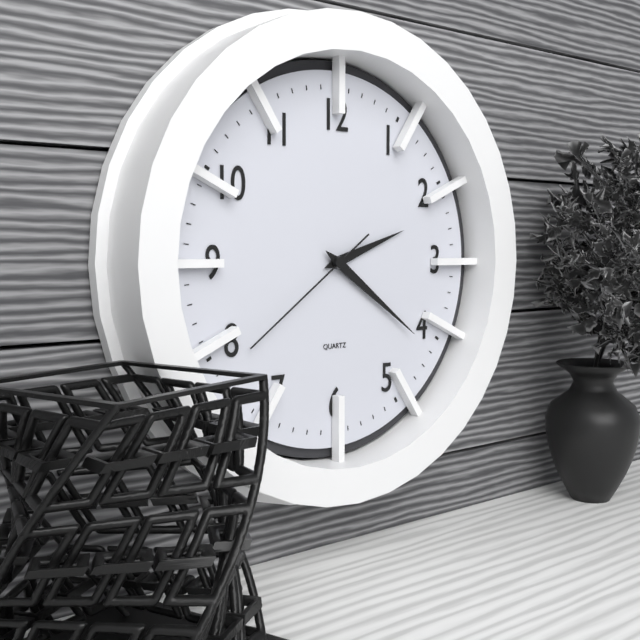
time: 2:21:39
